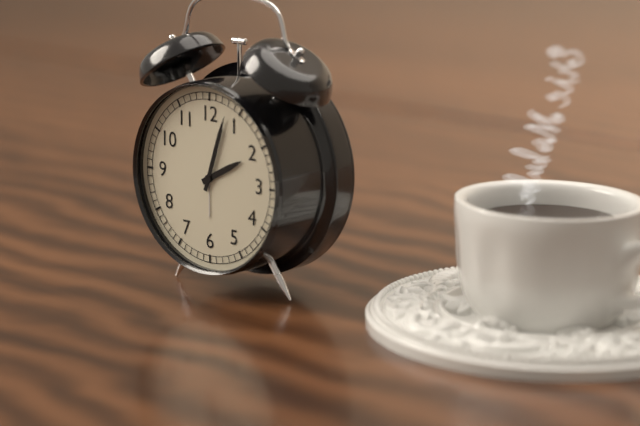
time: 2:03
